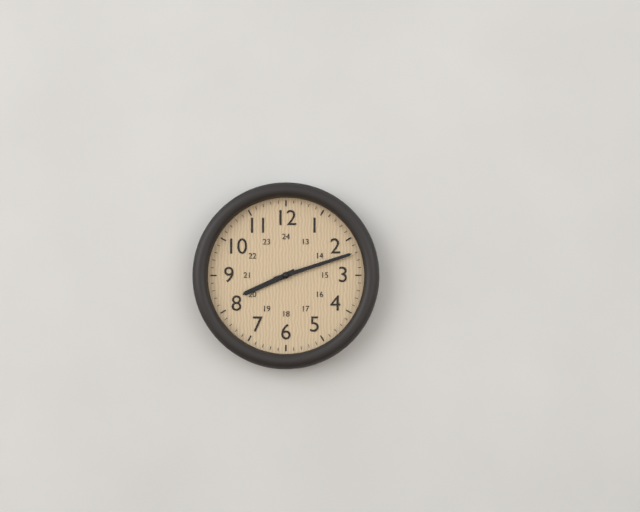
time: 8:12
